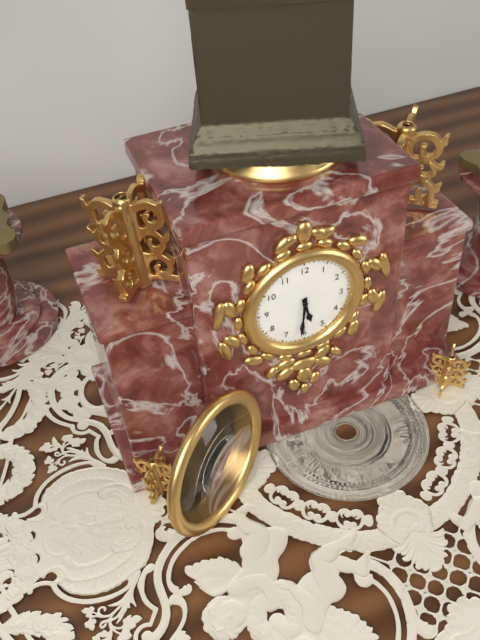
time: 5:31
